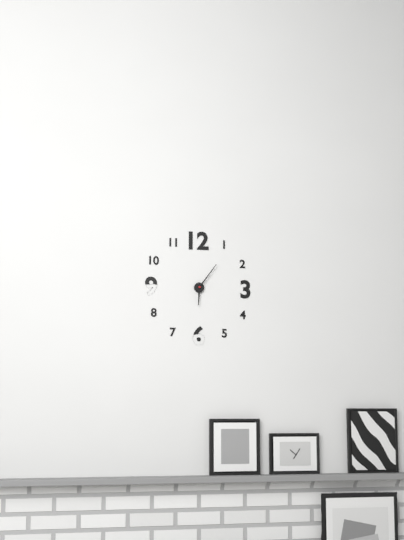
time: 6:06
